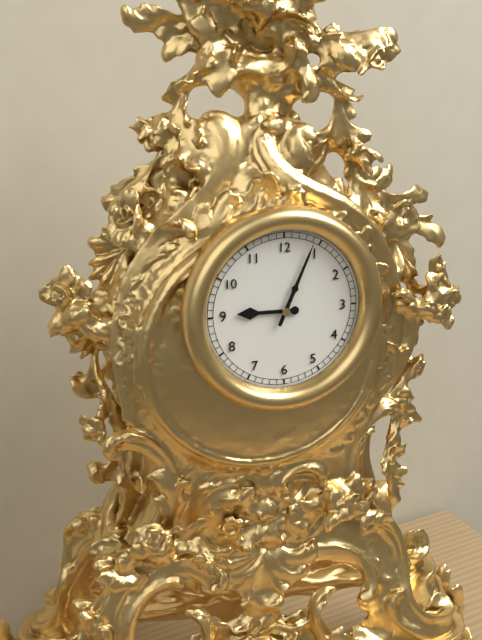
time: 9:04
